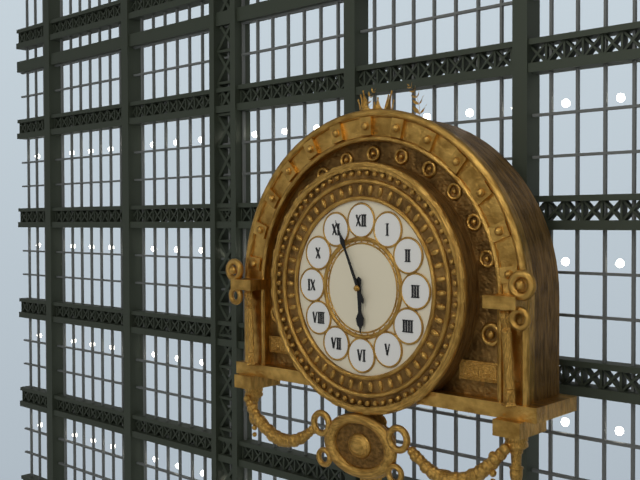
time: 5:56
